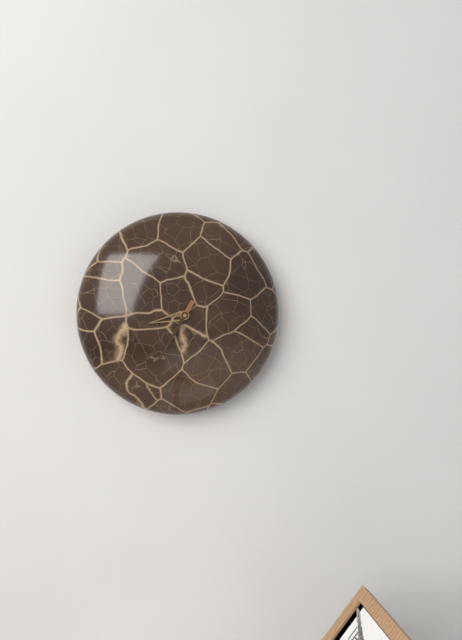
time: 8:35
